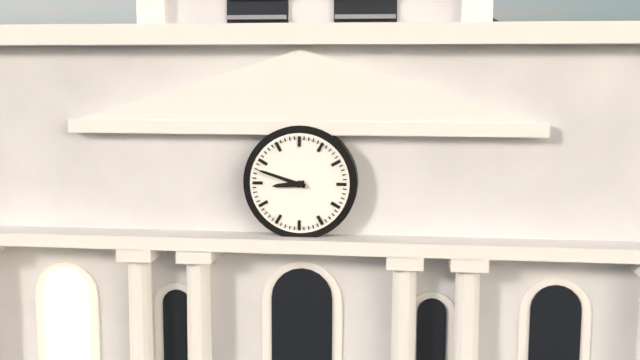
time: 8:48
